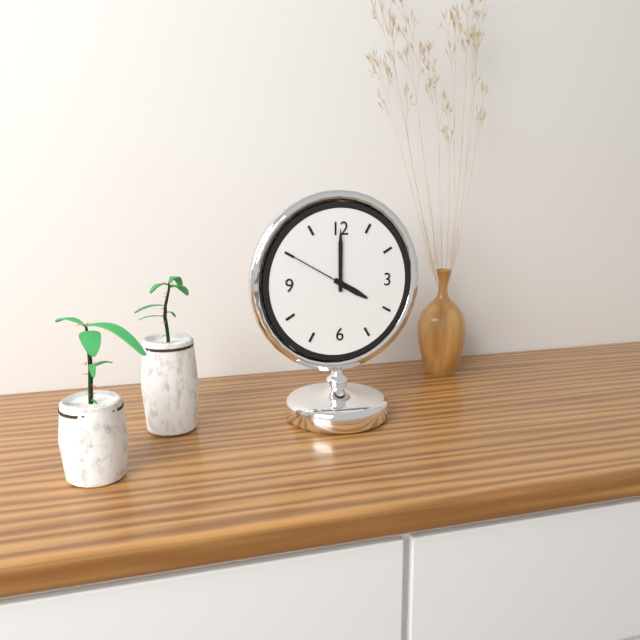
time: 4:00:50
